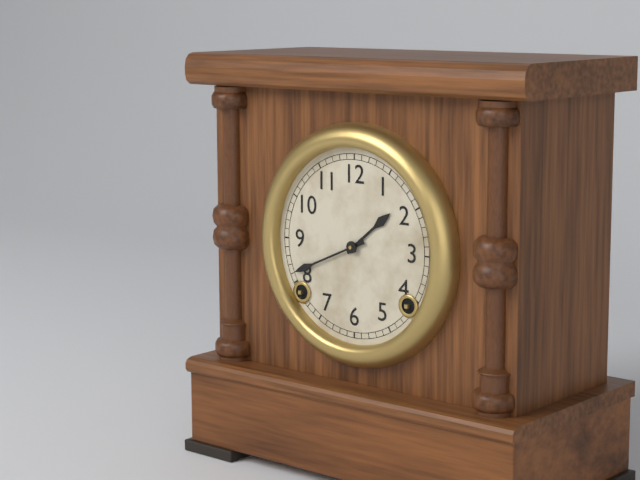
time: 1:41
